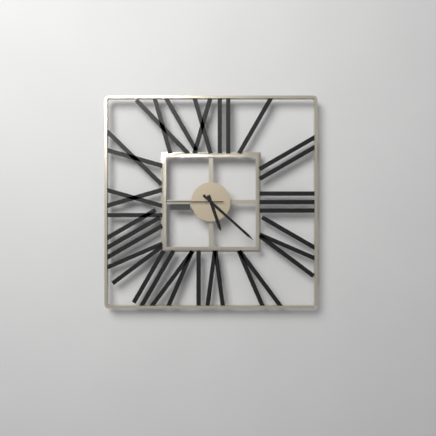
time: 5:22:45
